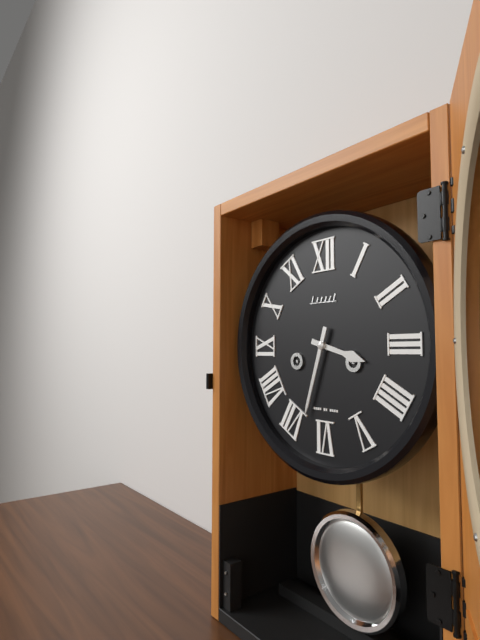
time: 3:33
